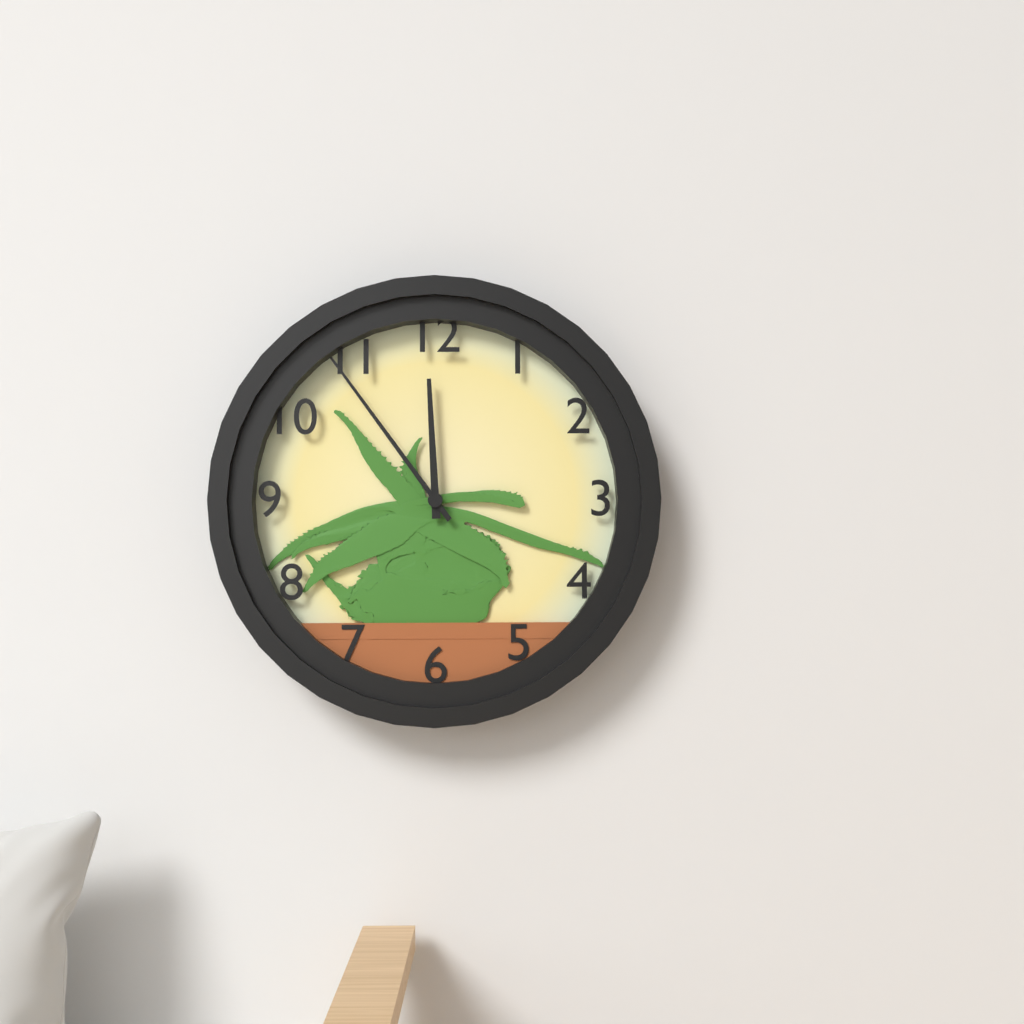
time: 11:54
